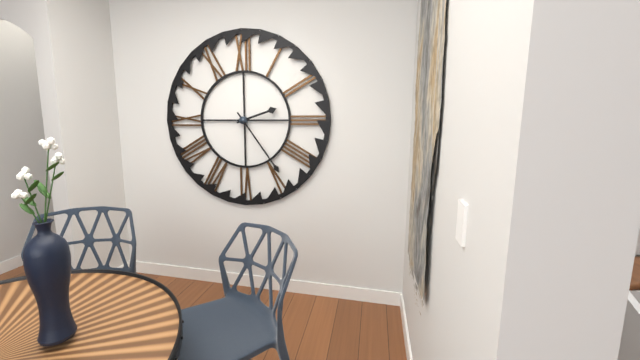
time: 2:24
